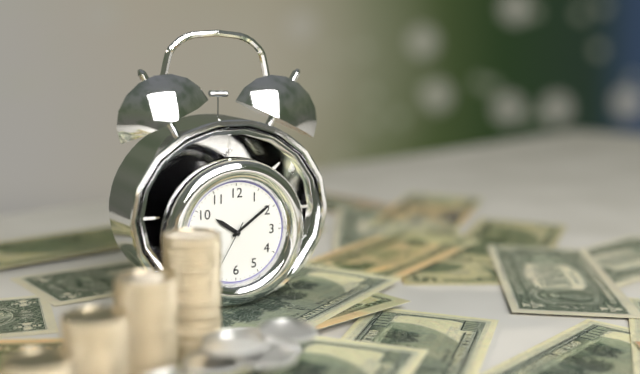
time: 10:09:35
